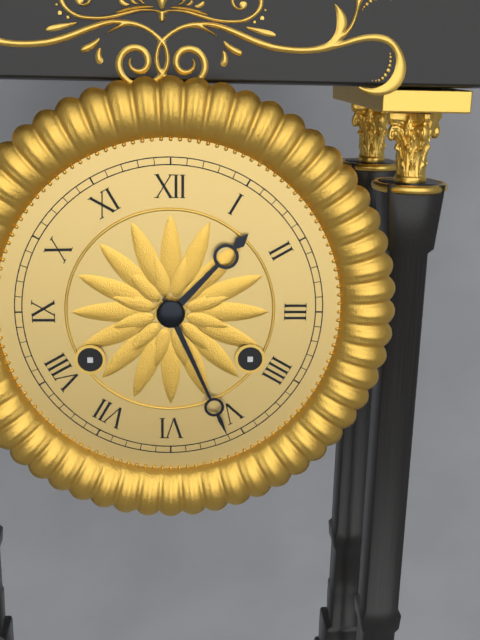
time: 1:26
